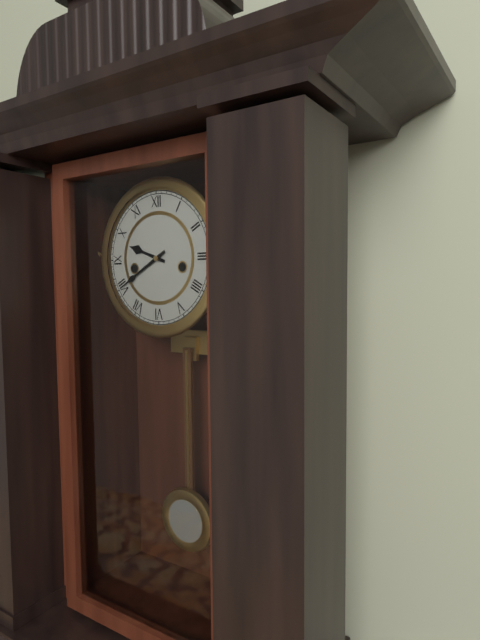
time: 9:40
